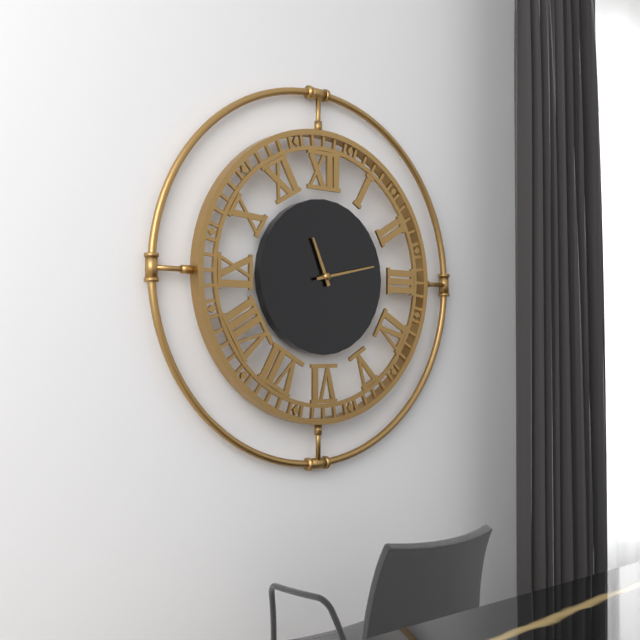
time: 11:13
